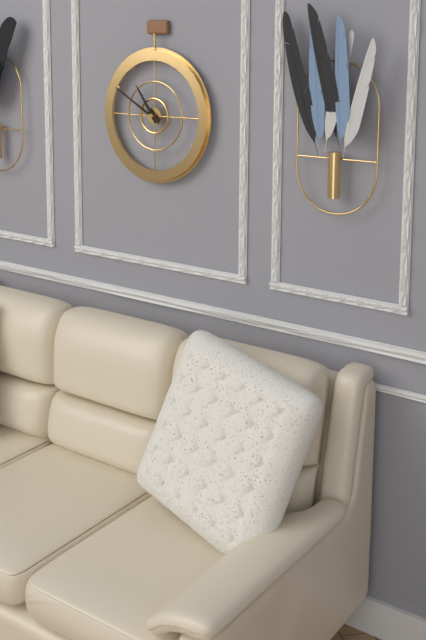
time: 10:50
